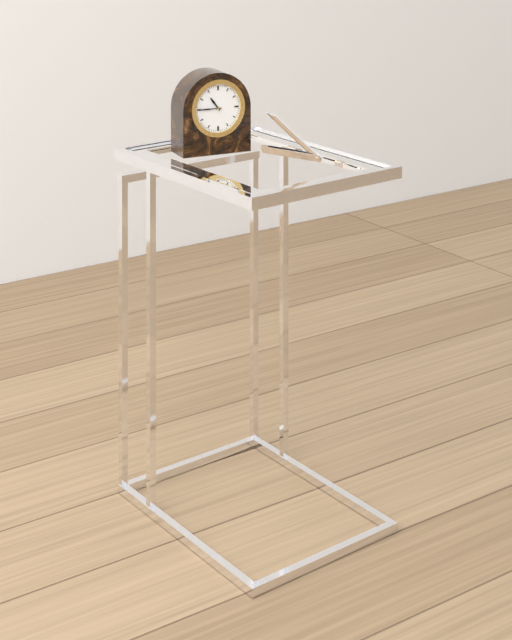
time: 10:45
